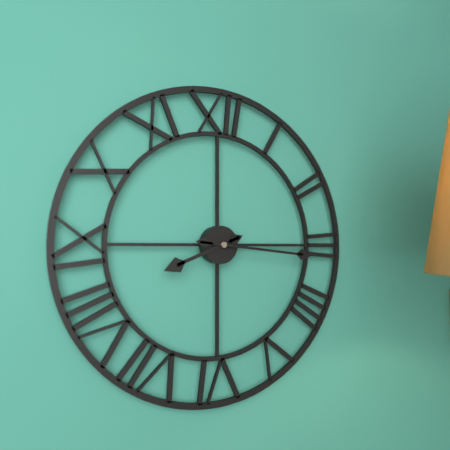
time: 8:16
